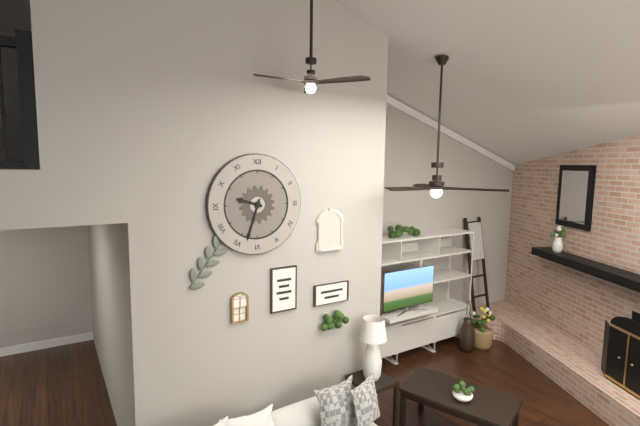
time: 9:33
